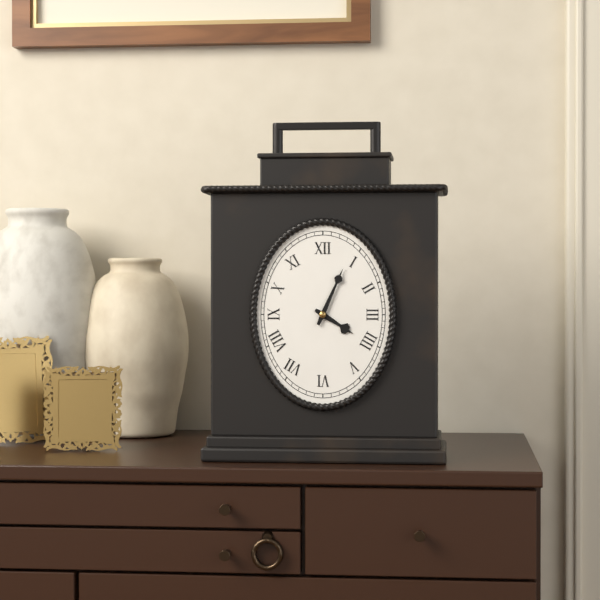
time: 4:04
